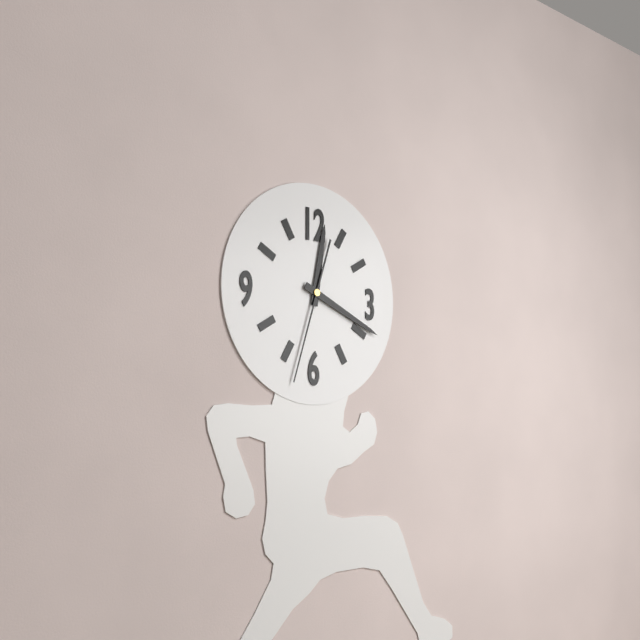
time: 12:19:33
